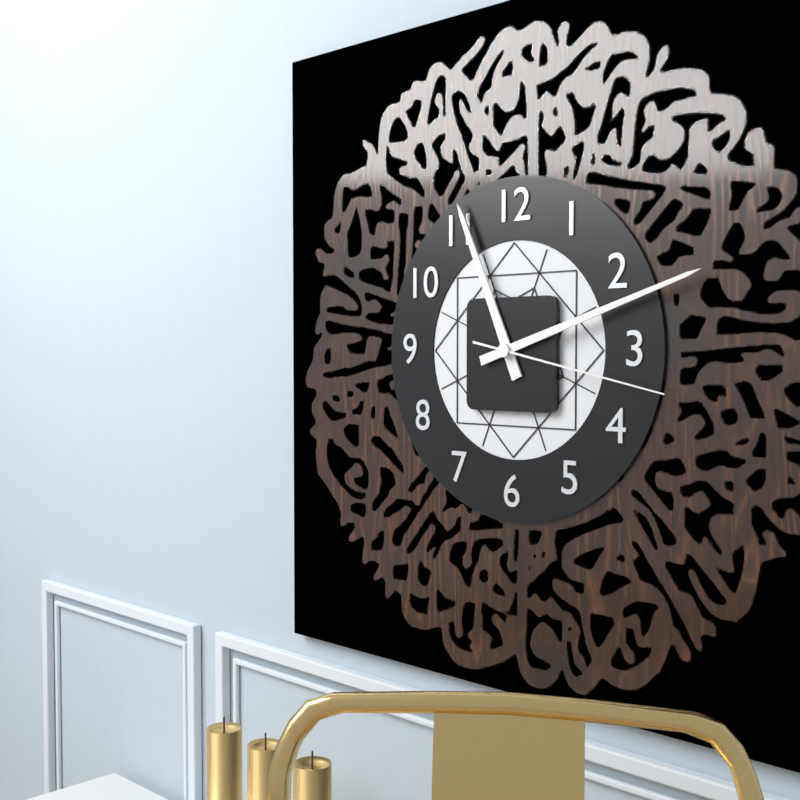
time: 11:12:17
